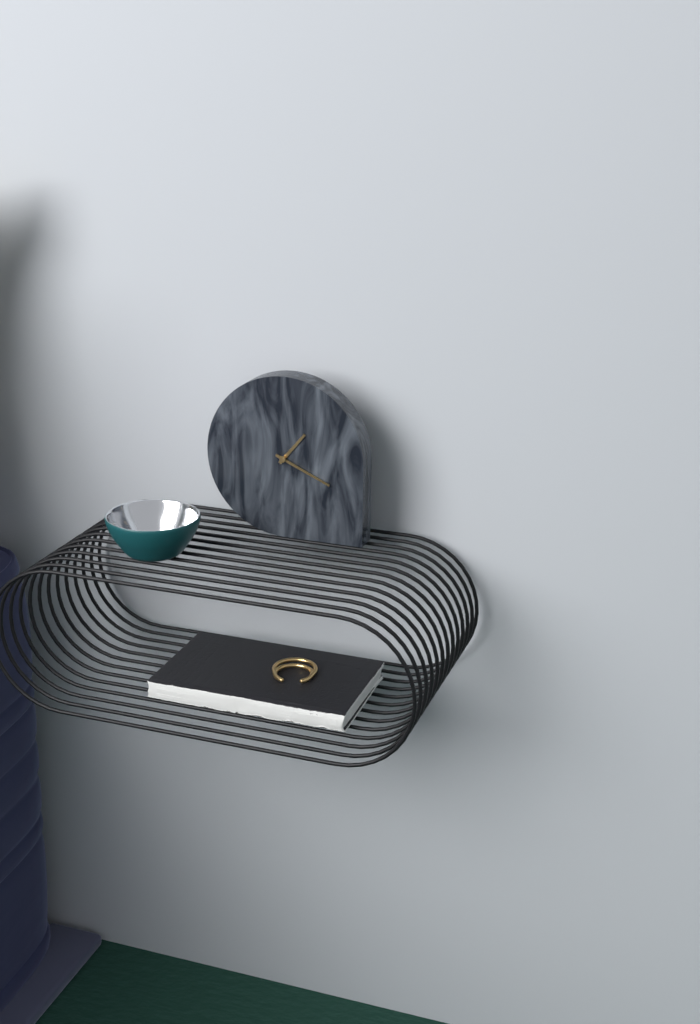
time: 1:19
